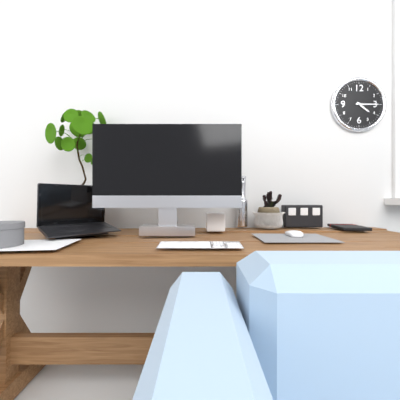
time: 4:15
